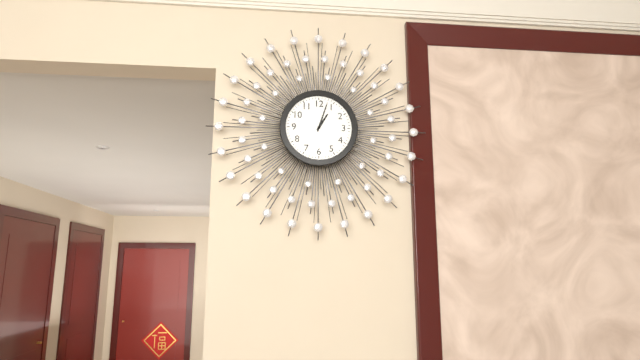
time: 1:03
